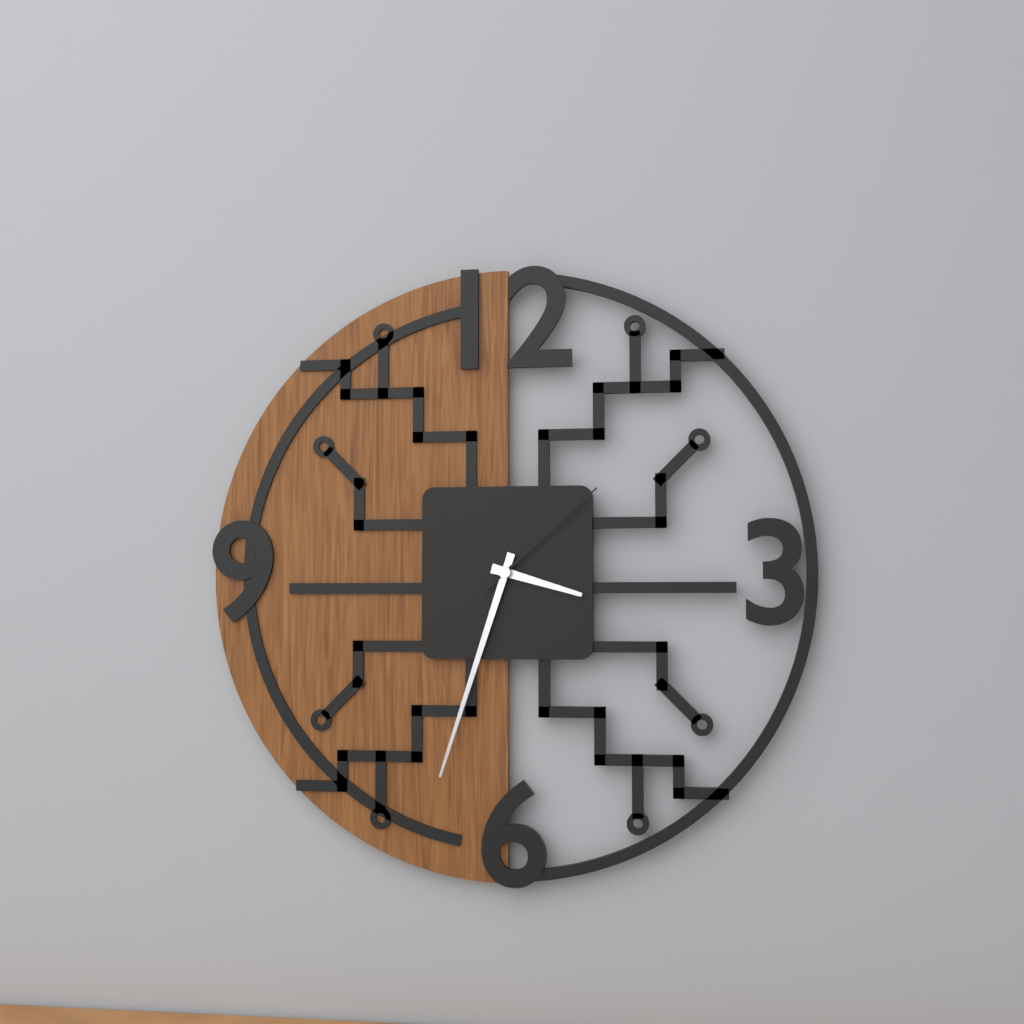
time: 3:33:08
